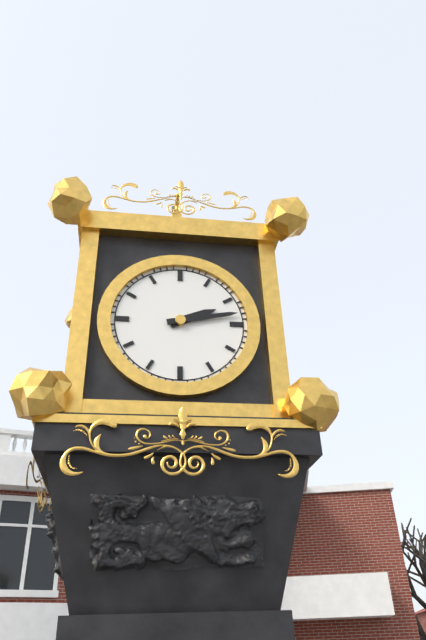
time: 2:13
